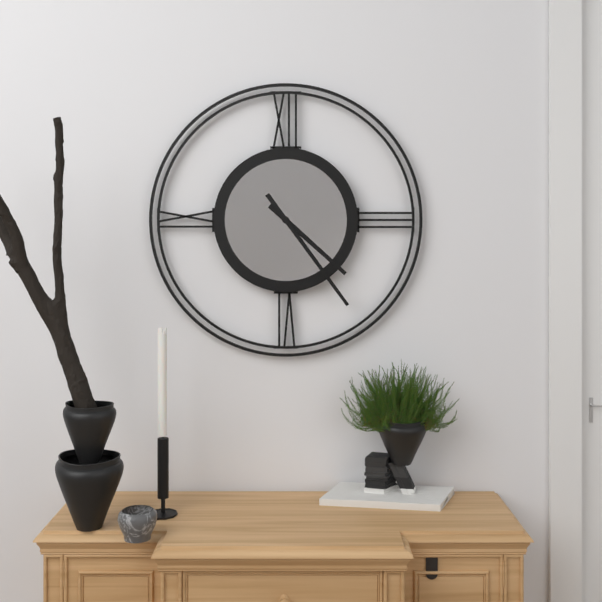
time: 4:24
